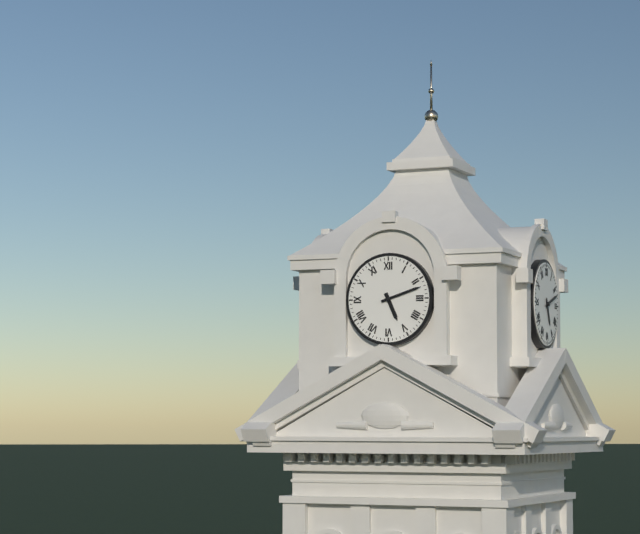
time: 5:12
